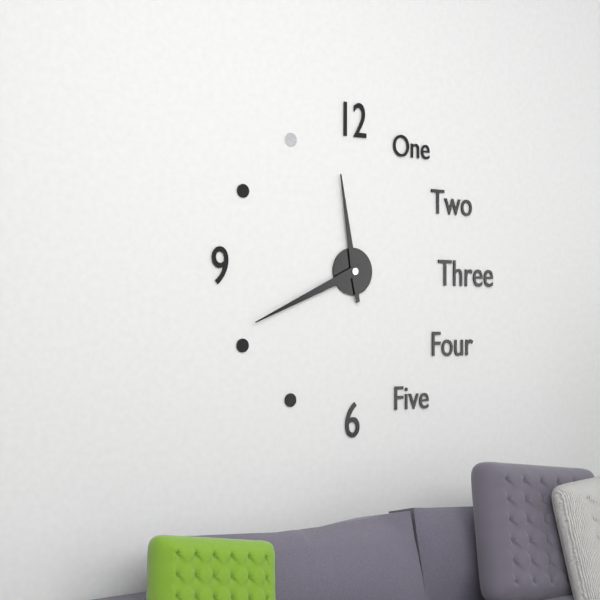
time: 11:41
